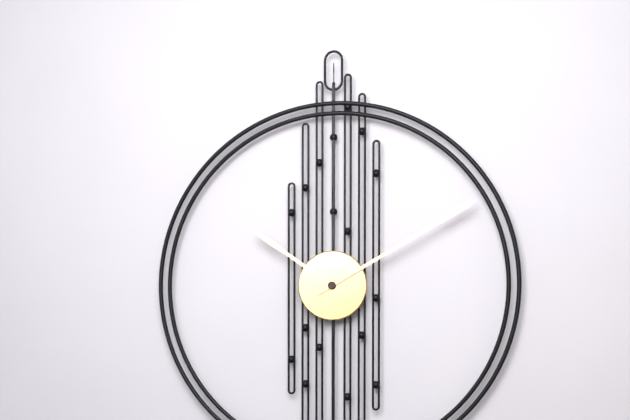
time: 10:10
